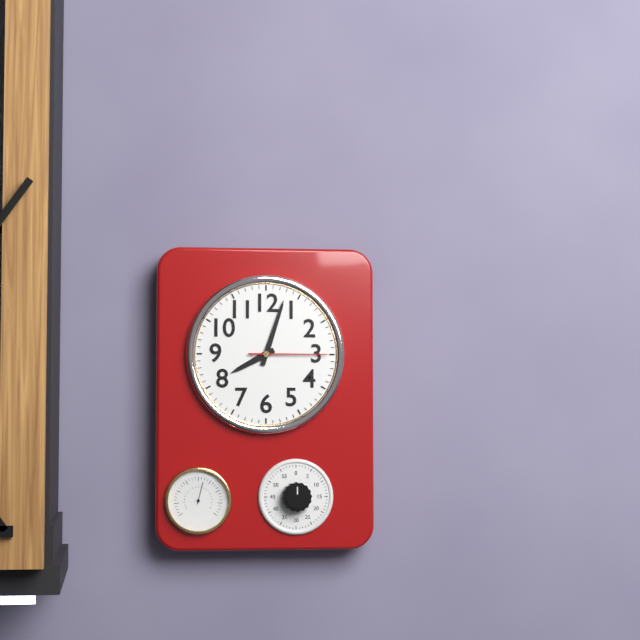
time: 8:03:15
